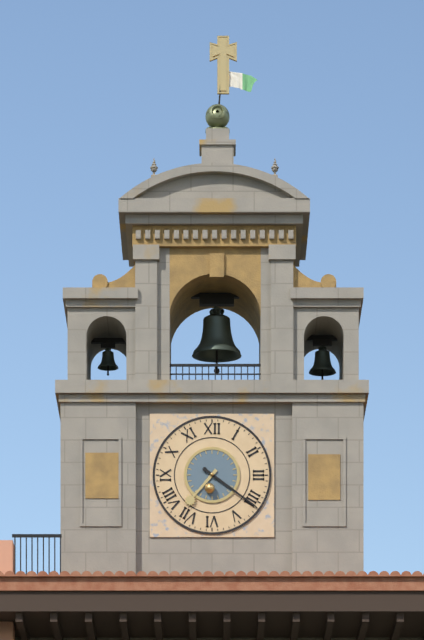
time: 7:21
